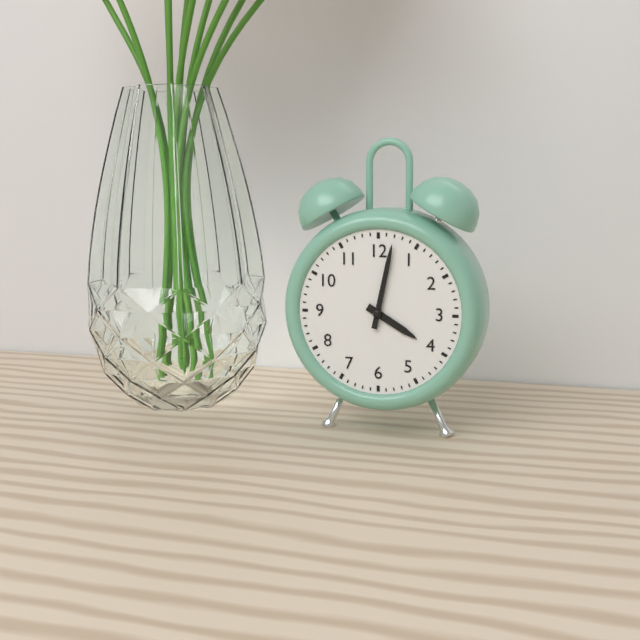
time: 4:02
